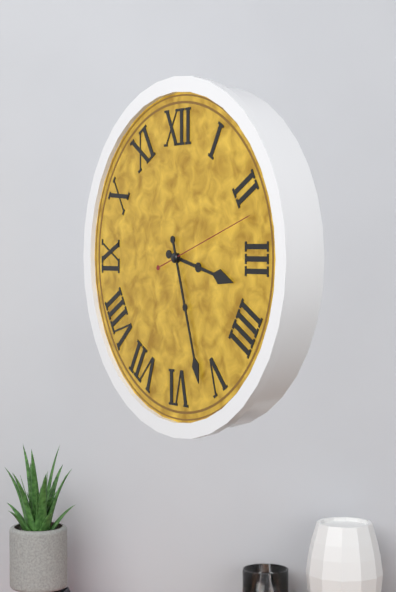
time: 3:27:12
